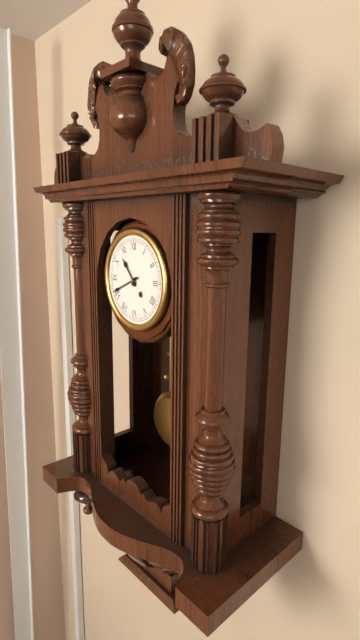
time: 10:41
